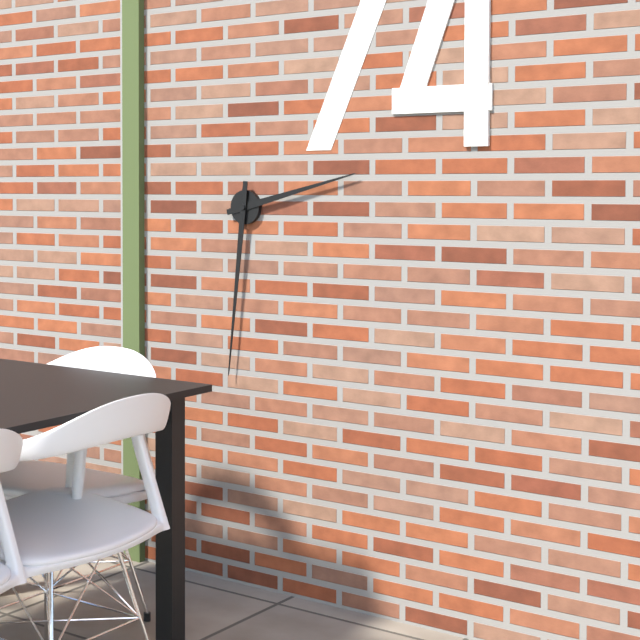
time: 2:31
